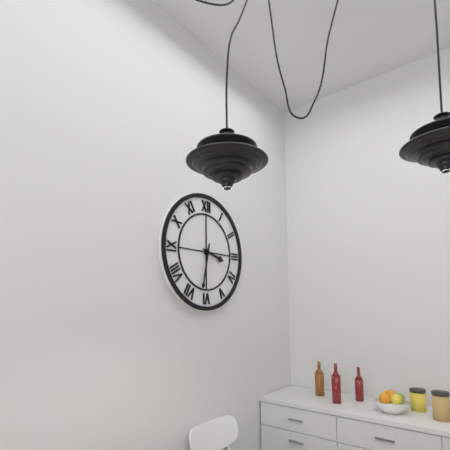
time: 3:32
